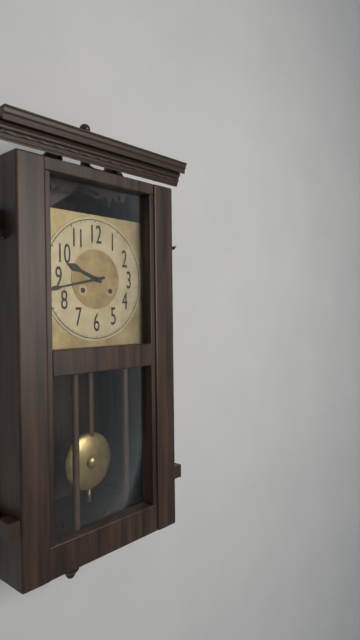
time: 9:43
